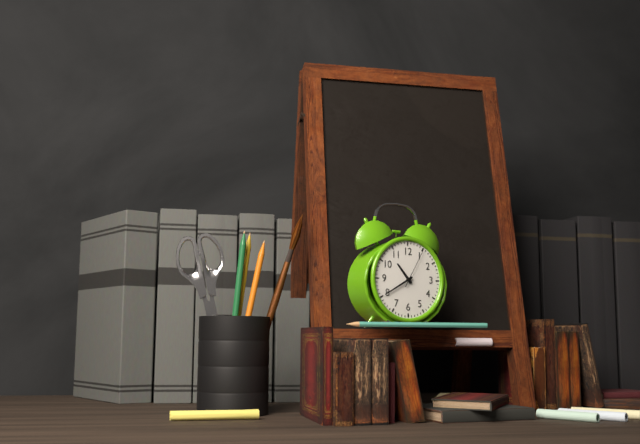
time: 10:40
